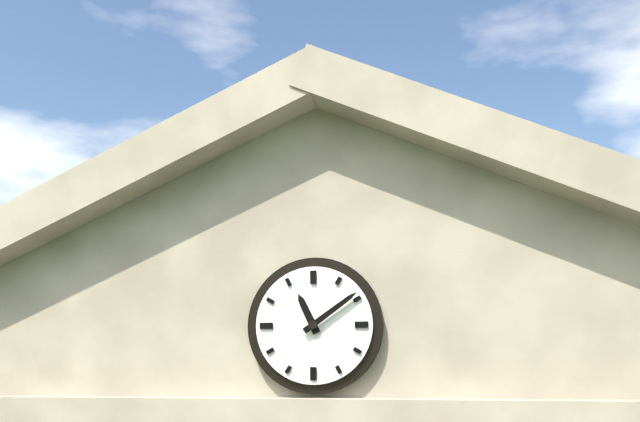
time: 11:09
